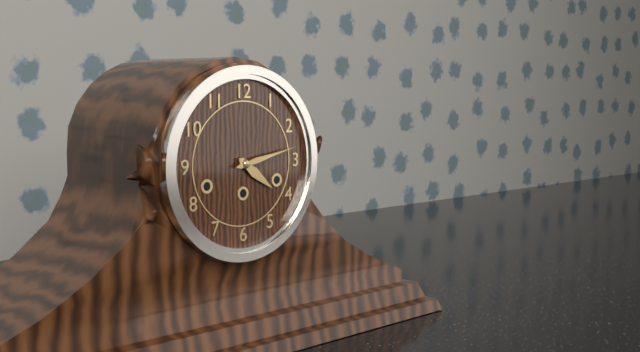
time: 4:13
